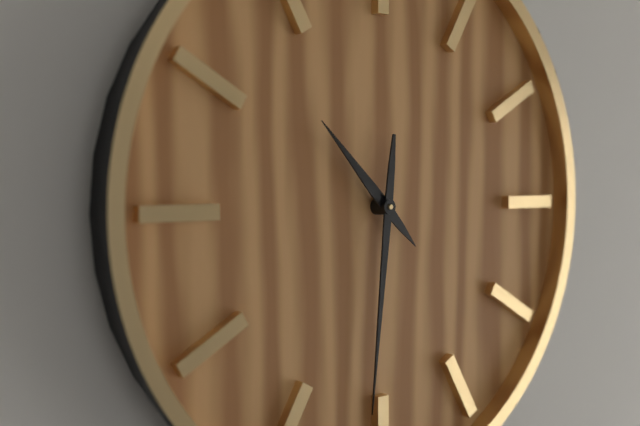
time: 10:31
